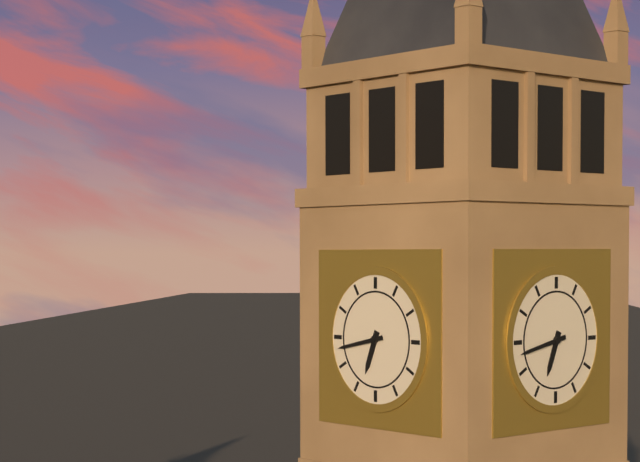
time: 6:43
